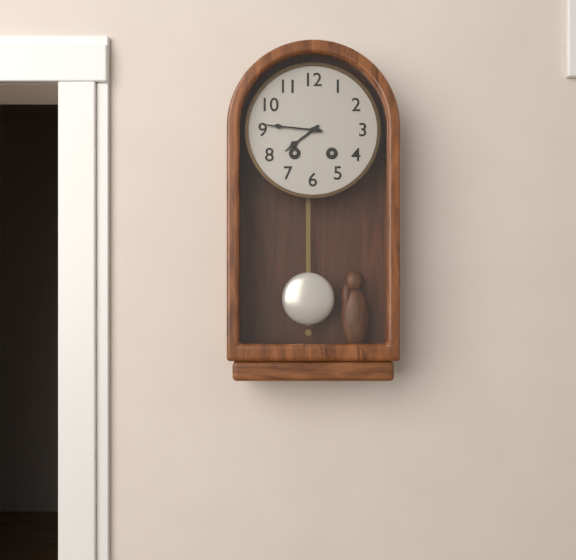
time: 7:46
